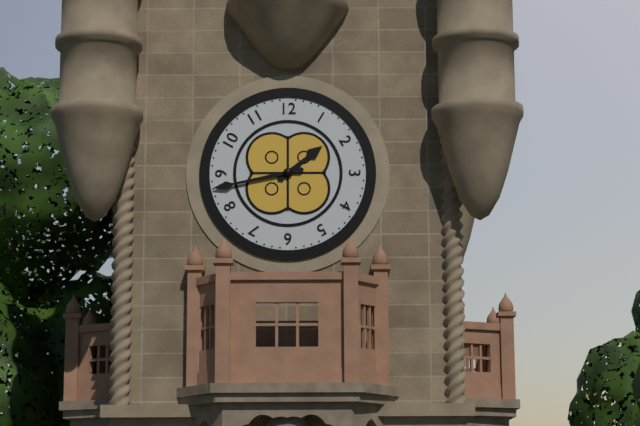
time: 1:43
